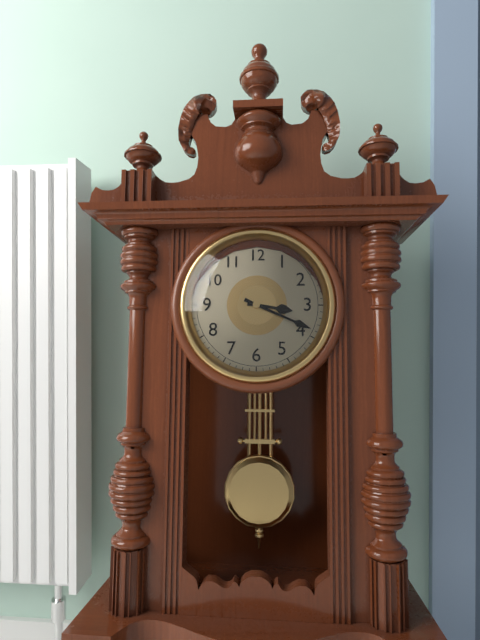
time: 3:19
